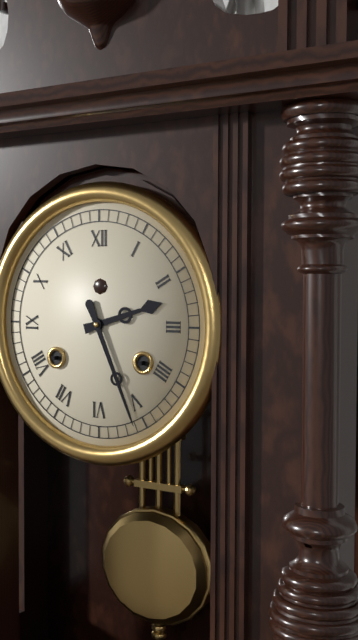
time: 2:26
